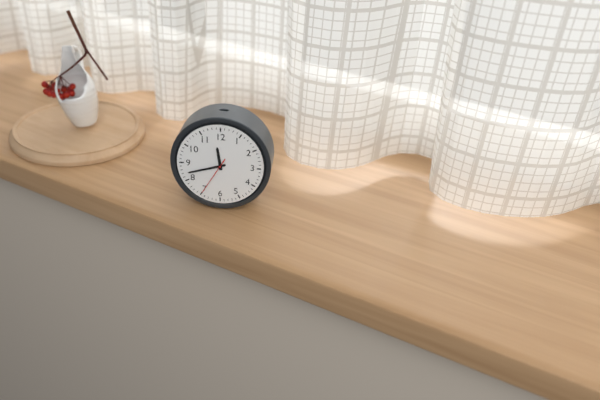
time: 11:42
